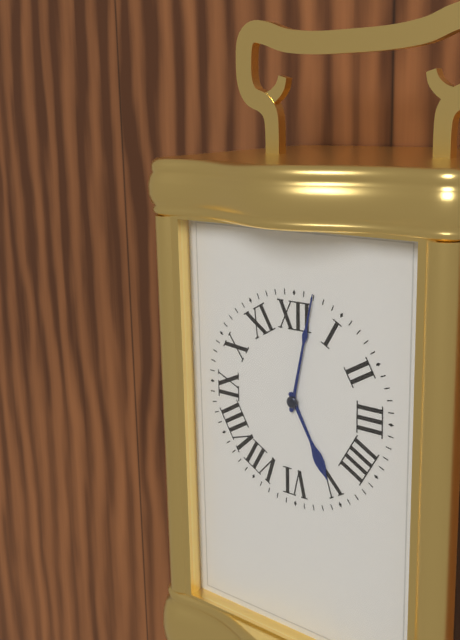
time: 5:02
